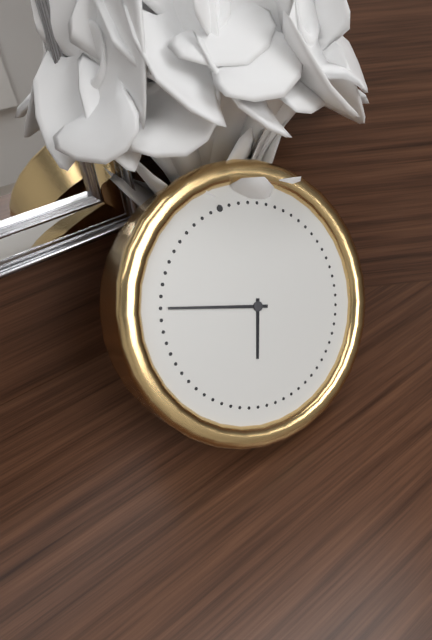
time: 6:49
